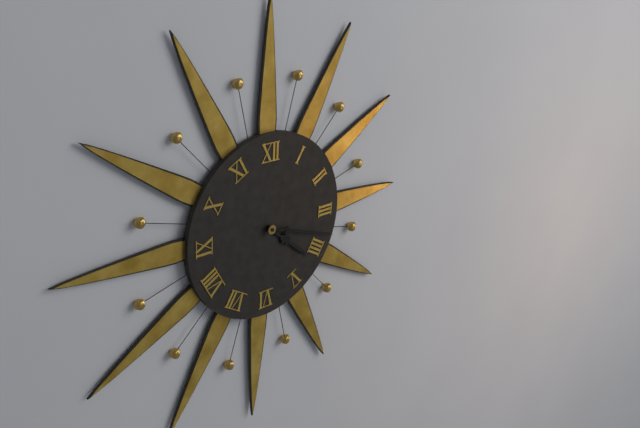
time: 4:18
